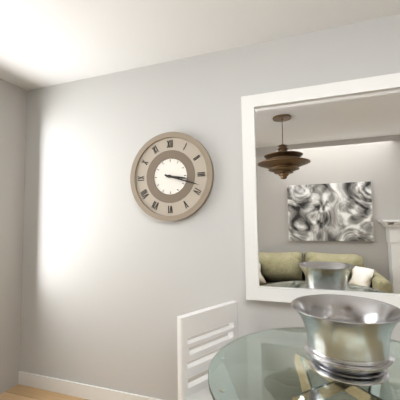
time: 3:18
